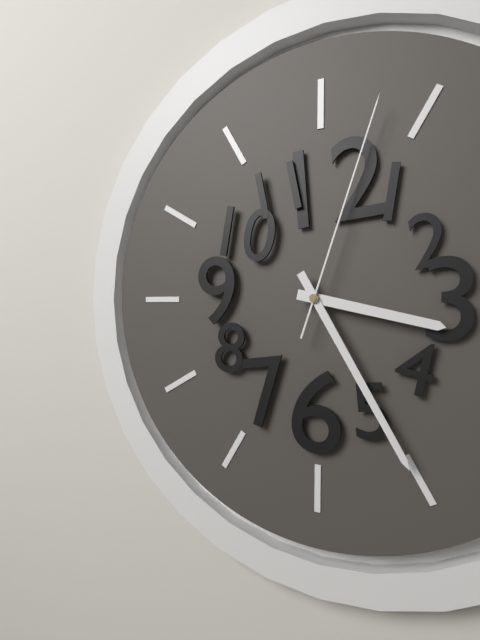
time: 3:25:03
